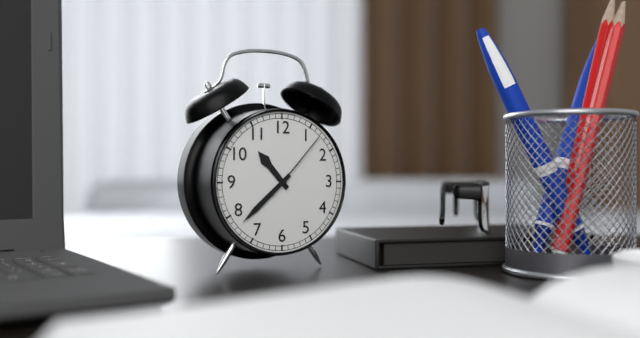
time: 10:38:07
